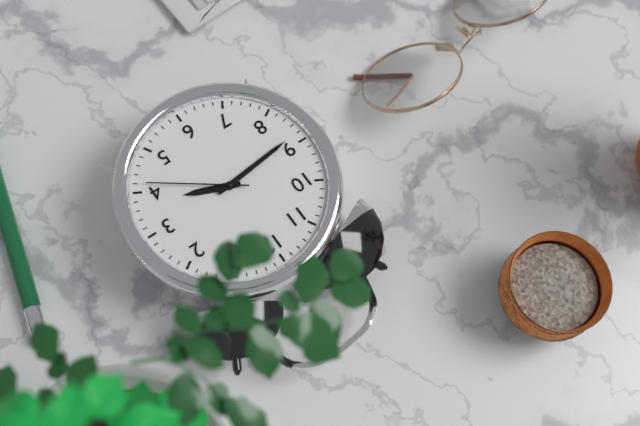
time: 3:44:21
